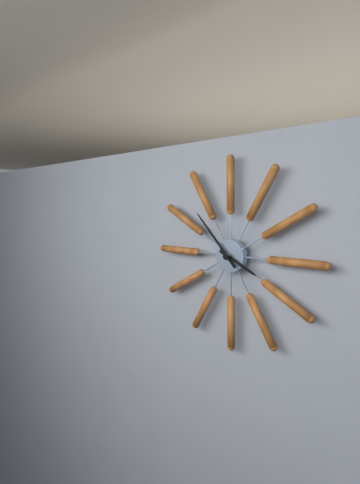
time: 3:53
